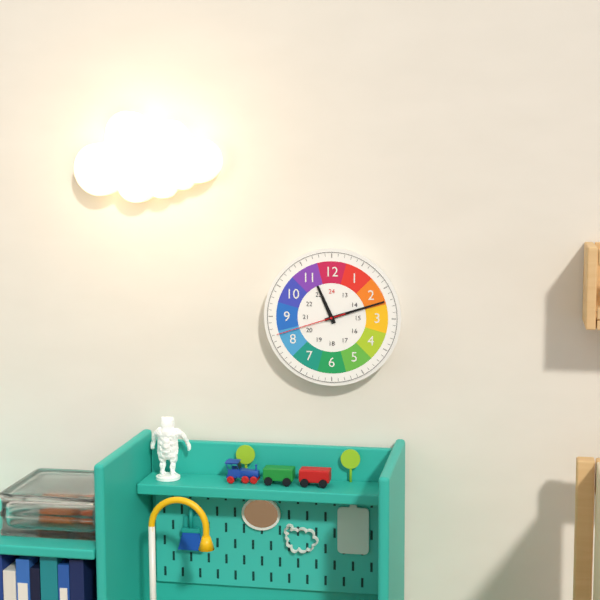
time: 11:12:42
